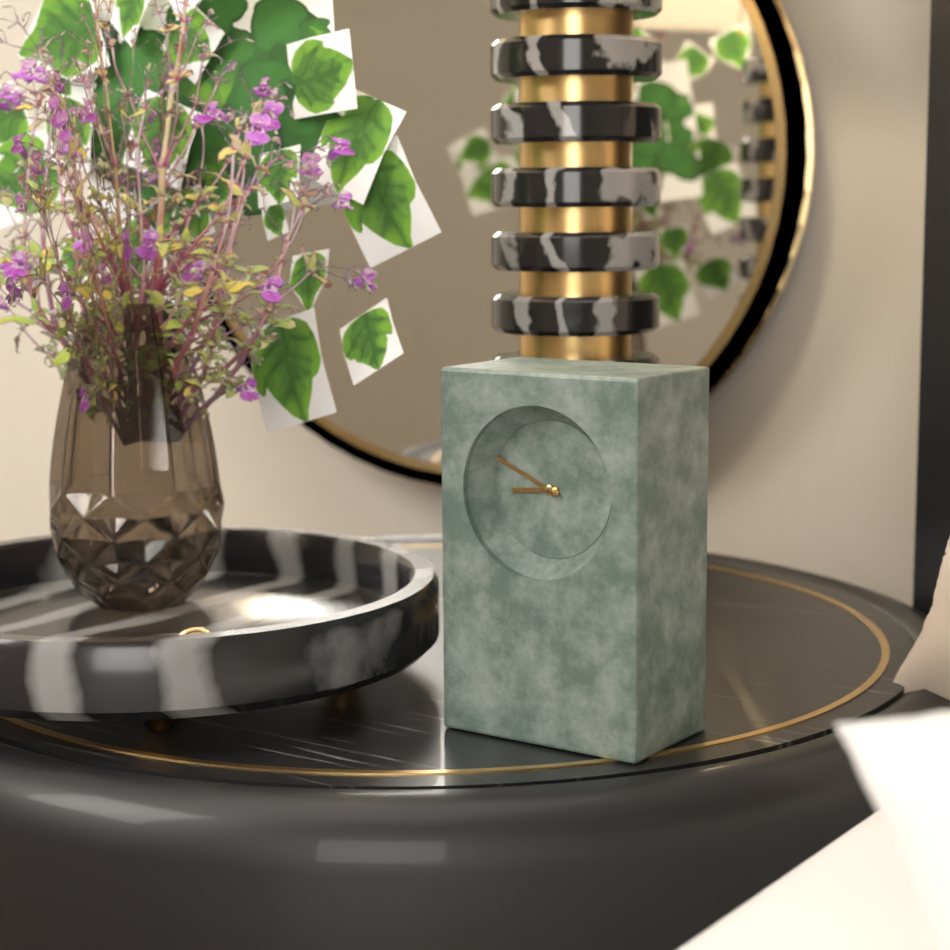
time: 8:49
